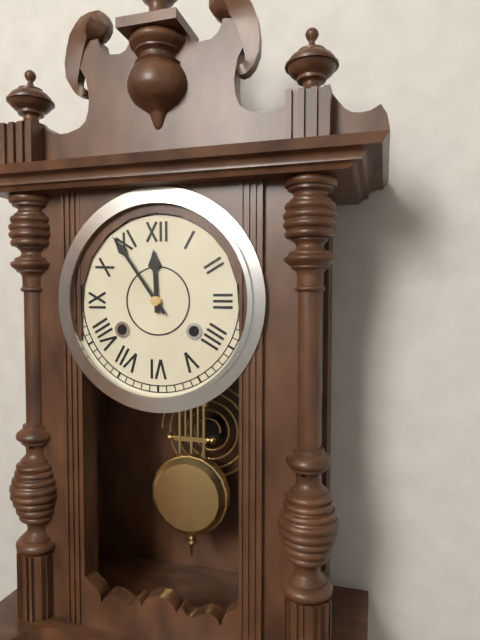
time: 11:54
